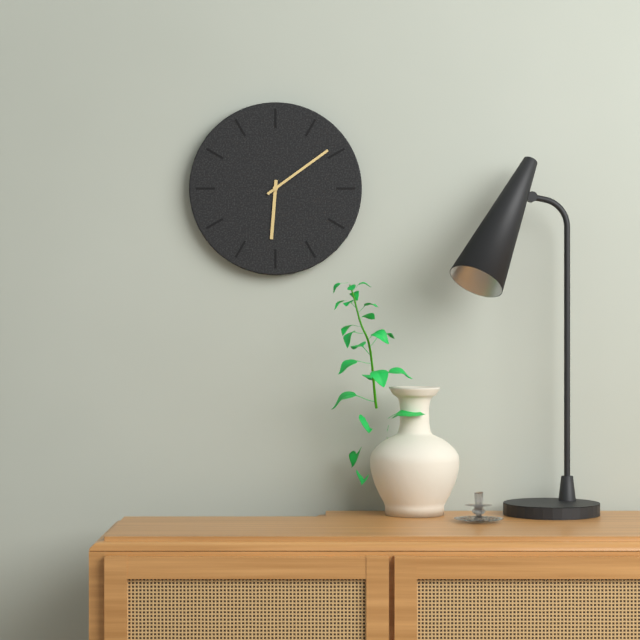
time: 6:09
